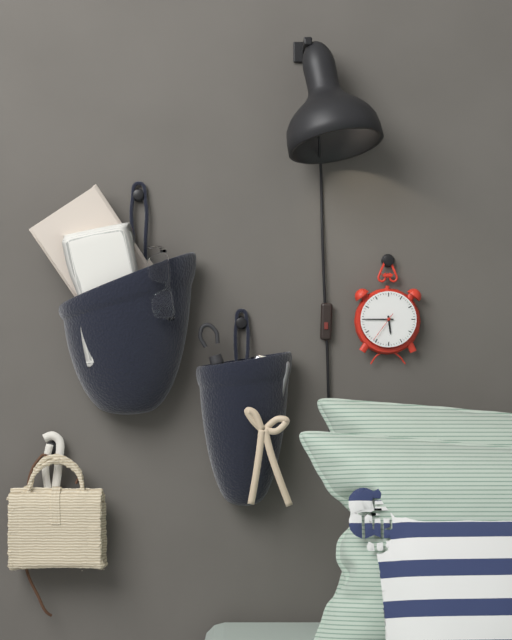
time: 5:45
